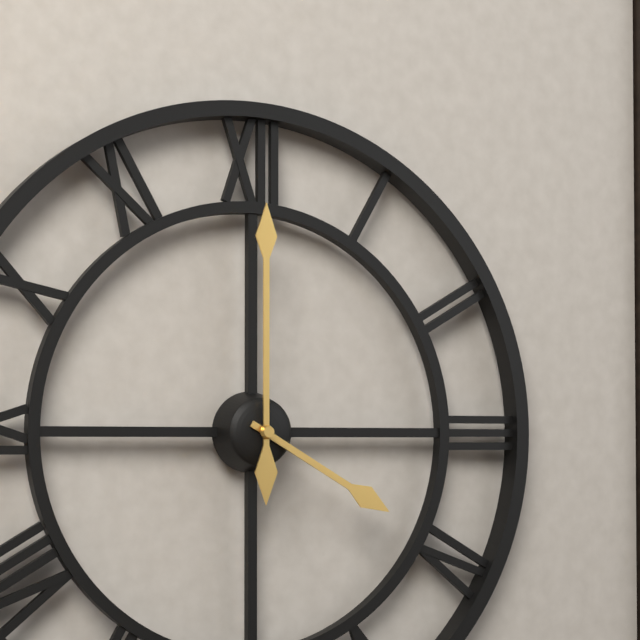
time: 4:00
